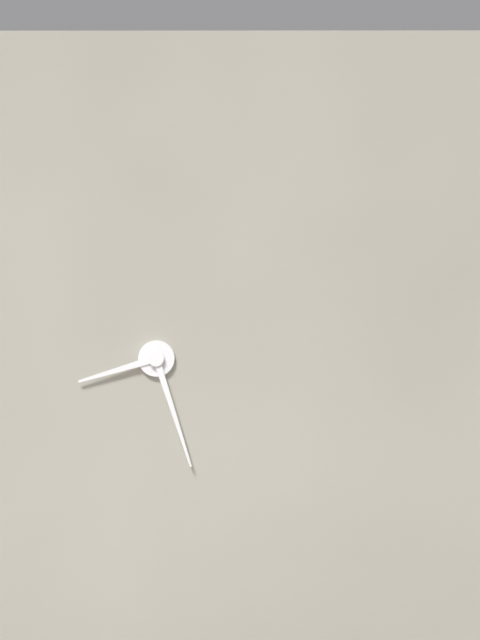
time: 8:27
